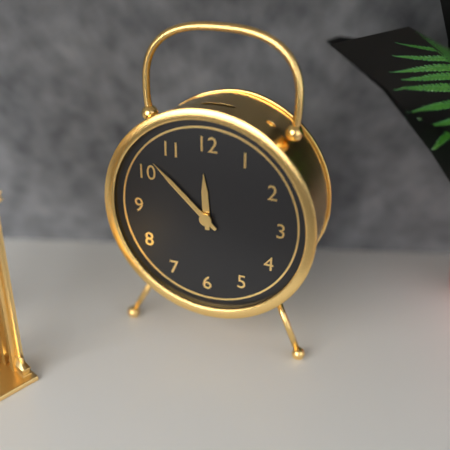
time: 11:52
